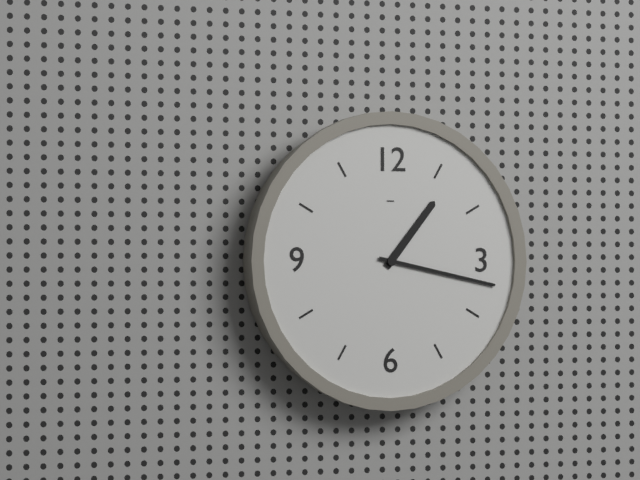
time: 1:17
